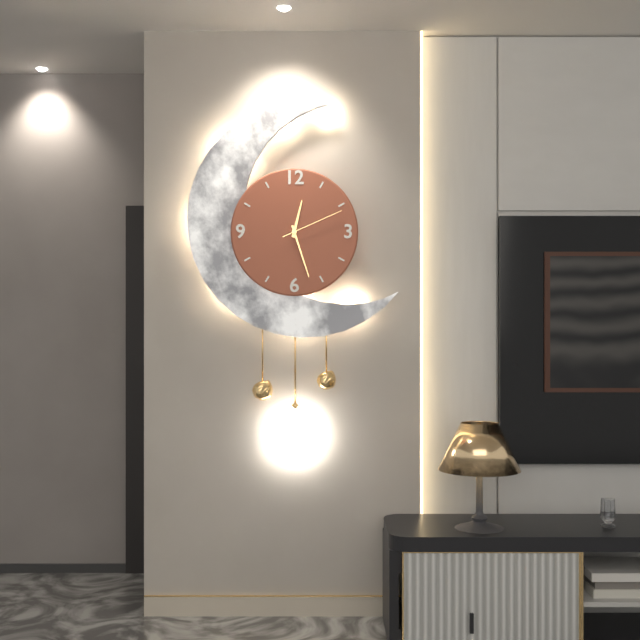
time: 12:27:11
